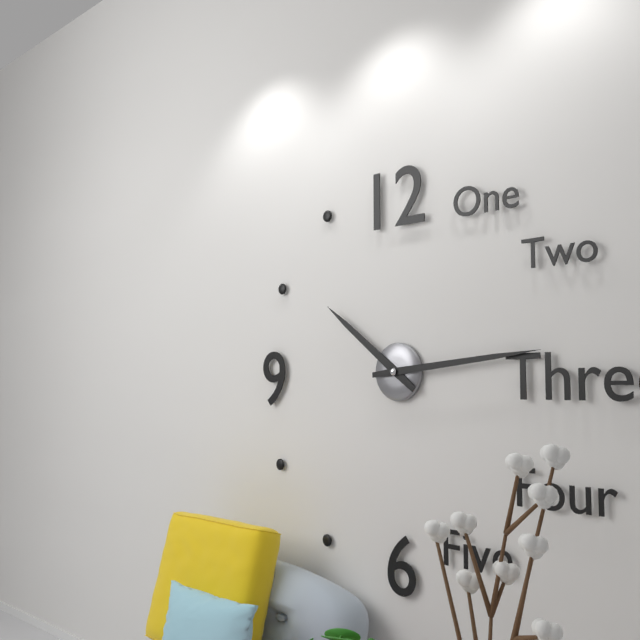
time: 10:14
